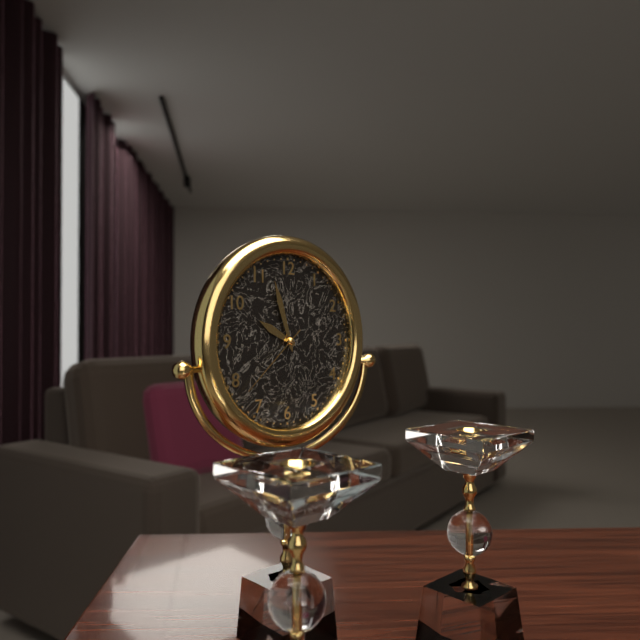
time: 9:57:38
